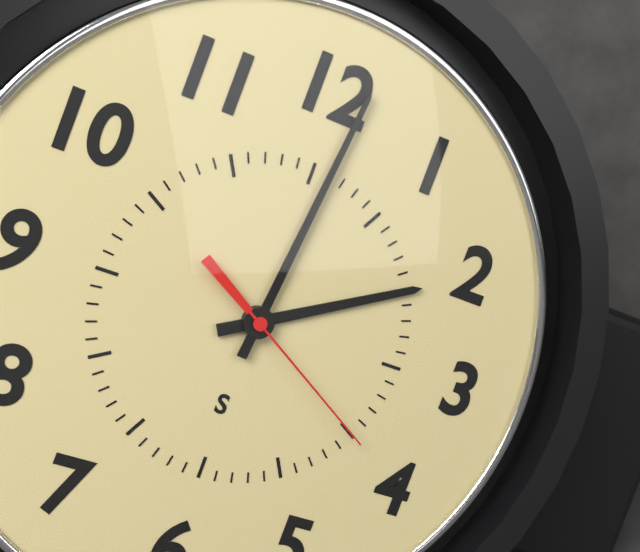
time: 2:01:20
